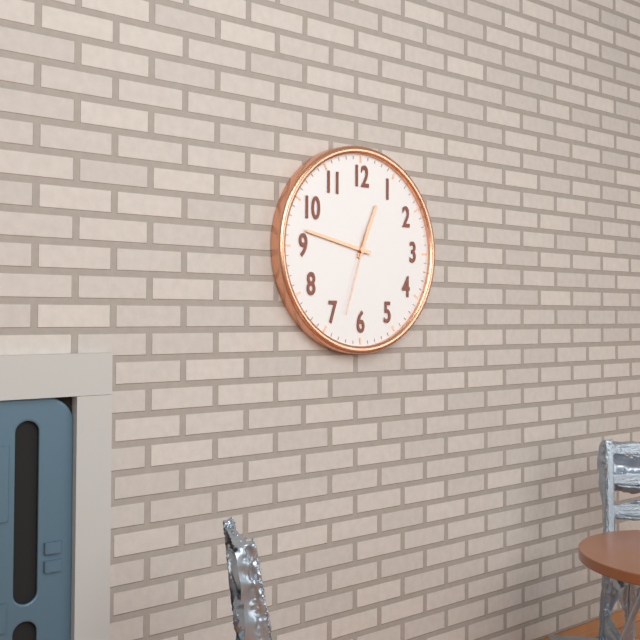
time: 12:47:33
